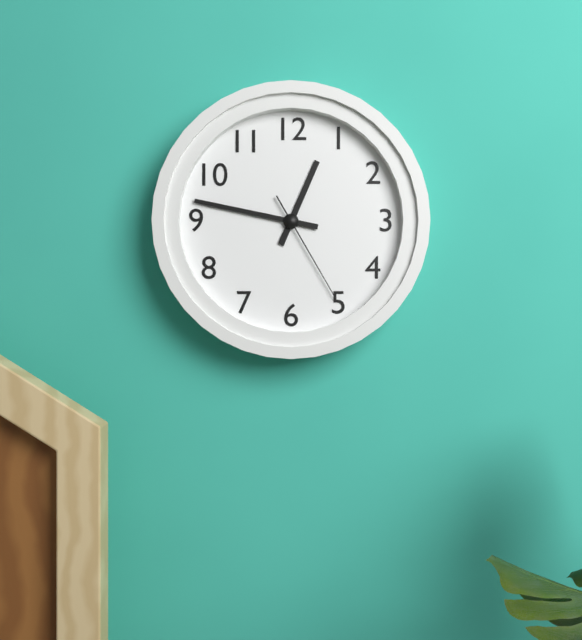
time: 12:47:25
